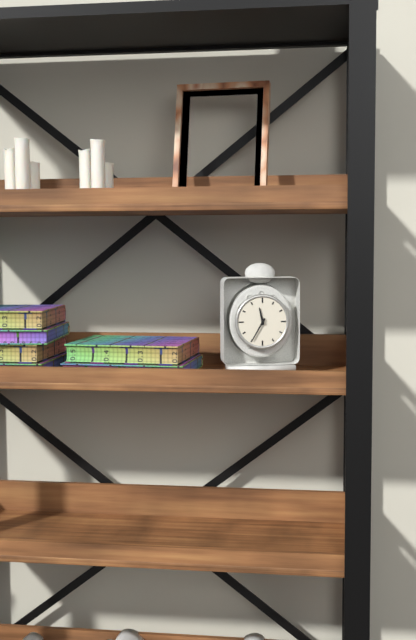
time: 11:35
